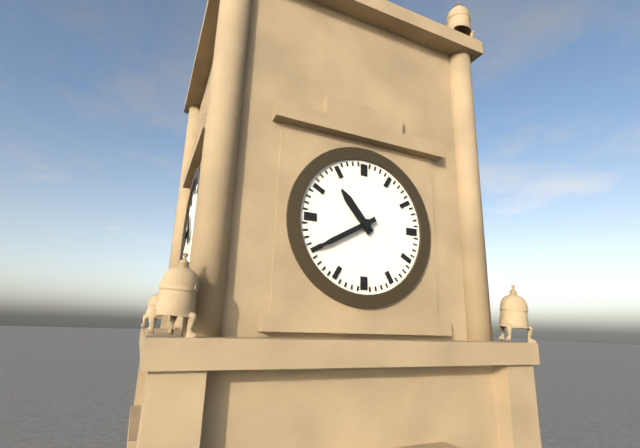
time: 10:40
